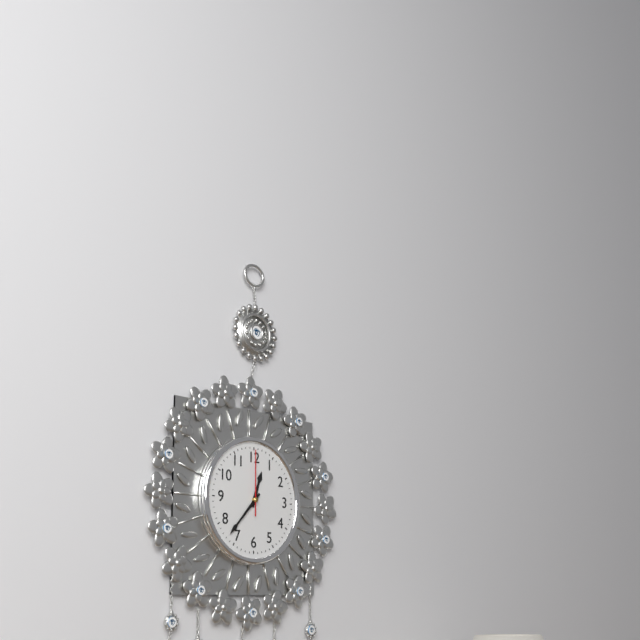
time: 12:37:00
